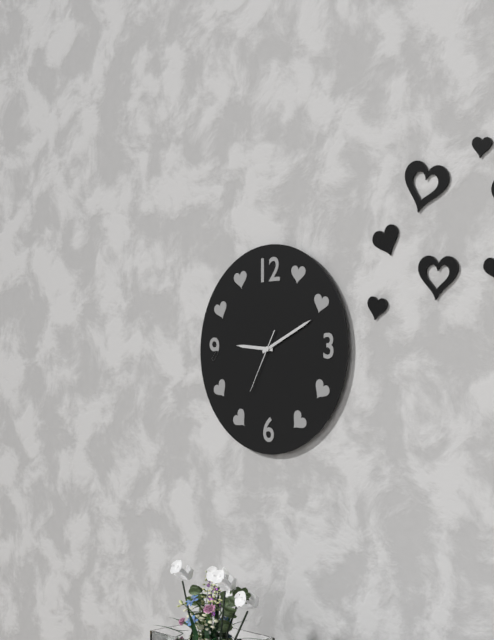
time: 9:11:35
